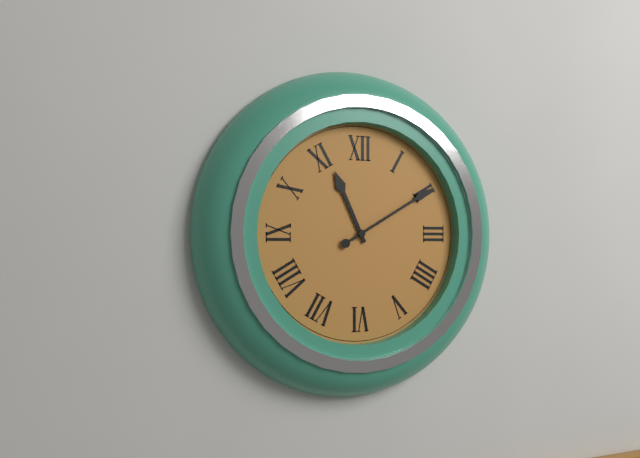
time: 11:10
